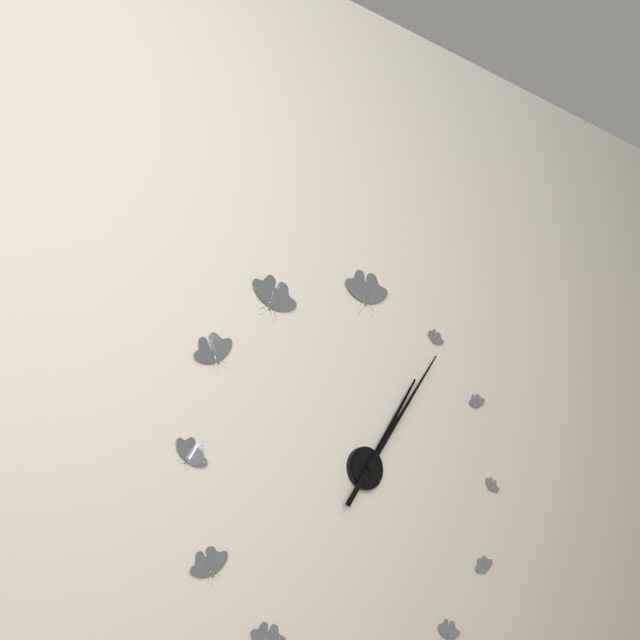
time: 1:06
